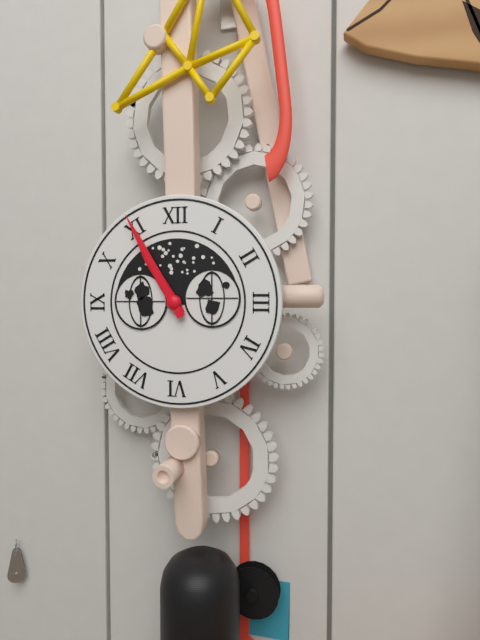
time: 10:55
